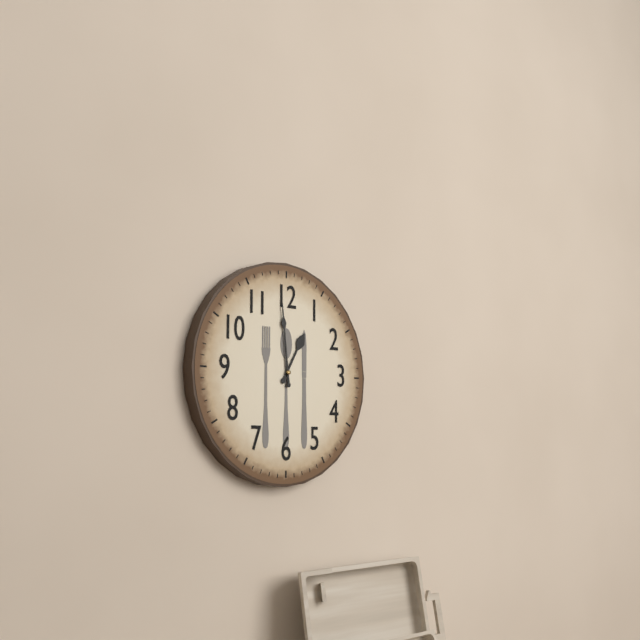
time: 12:59
